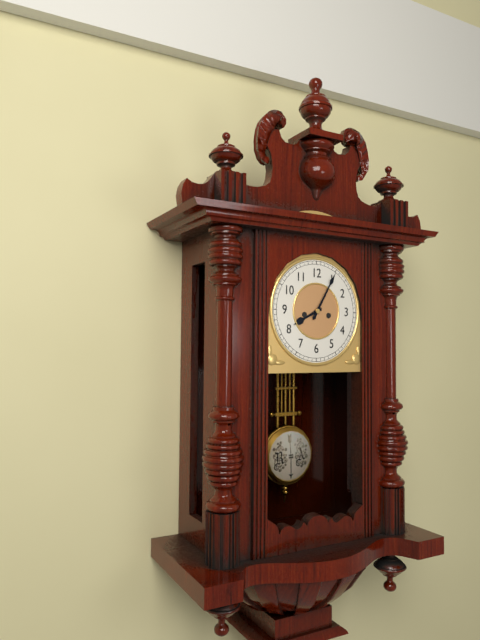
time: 8:05
